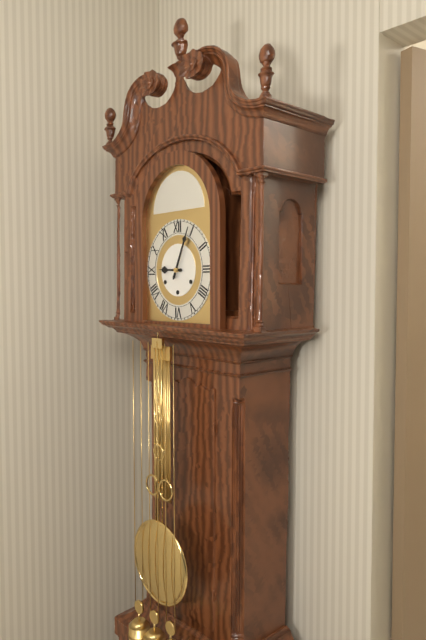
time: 9:04
